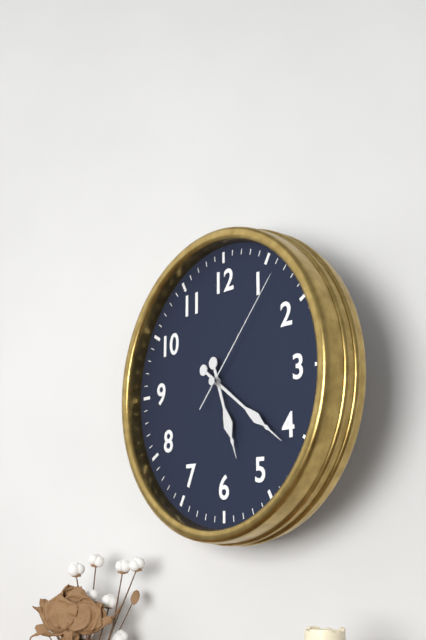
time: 5:21:07
